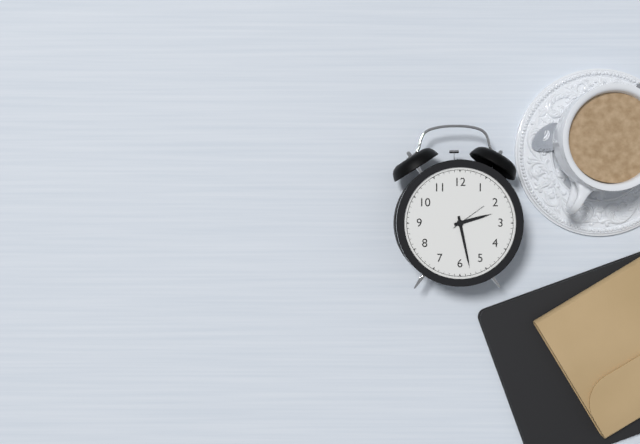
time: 2:28
